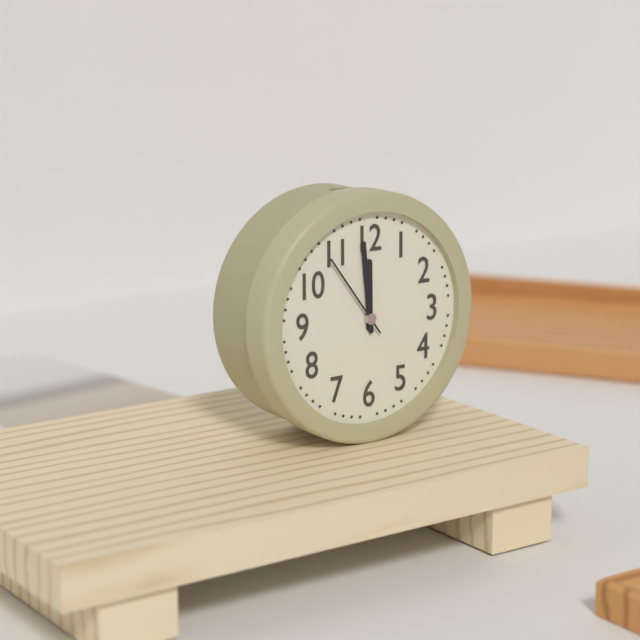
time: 11:59:54
